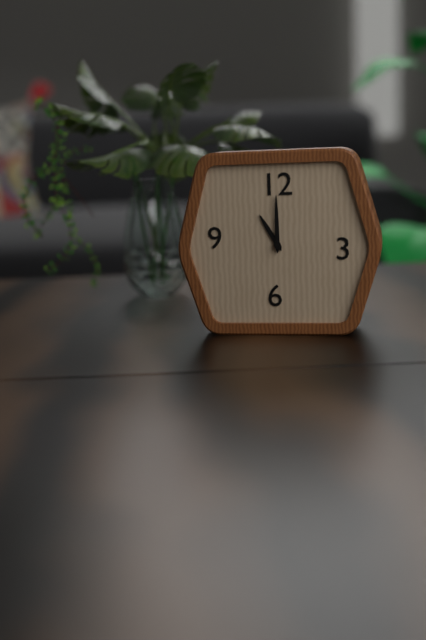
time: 11:00
